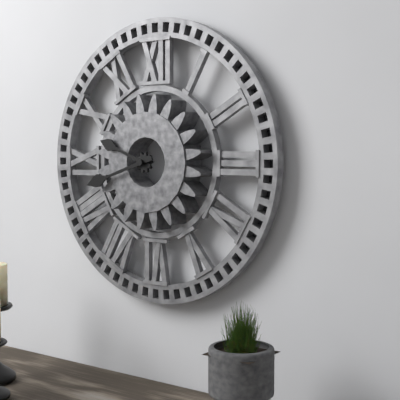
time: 9:42
